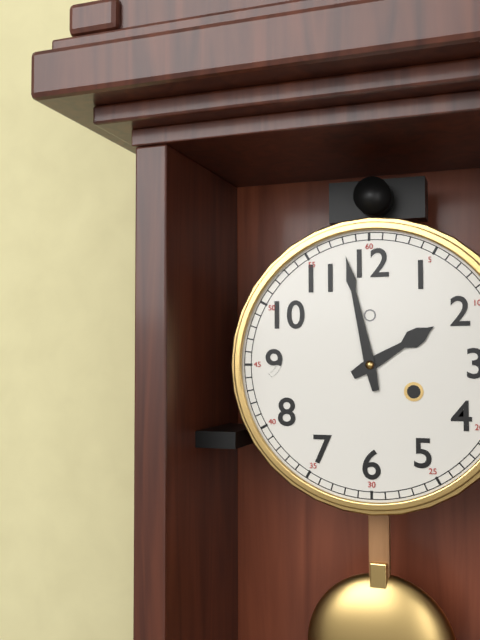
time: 1:58
